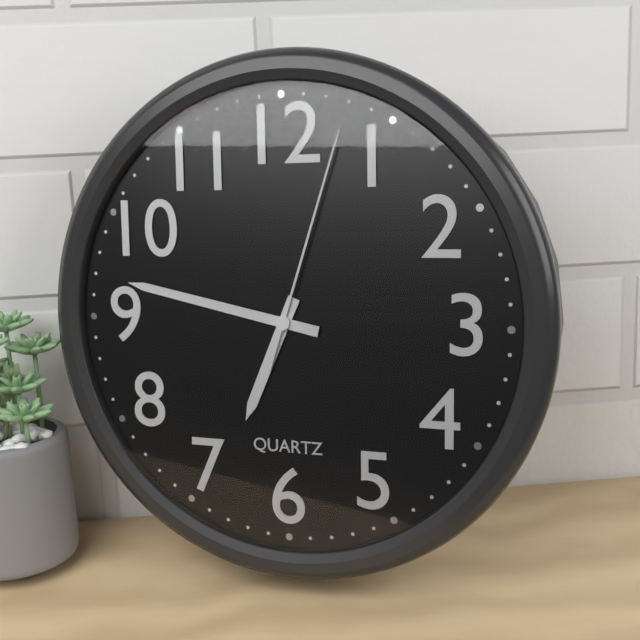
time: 6:47:03
